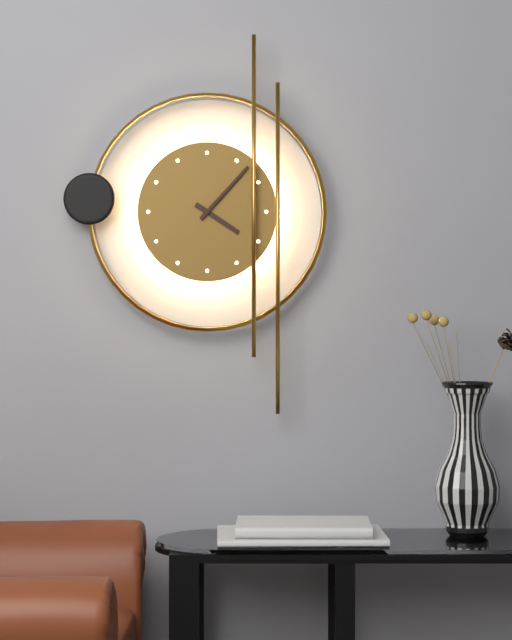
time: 4:07
